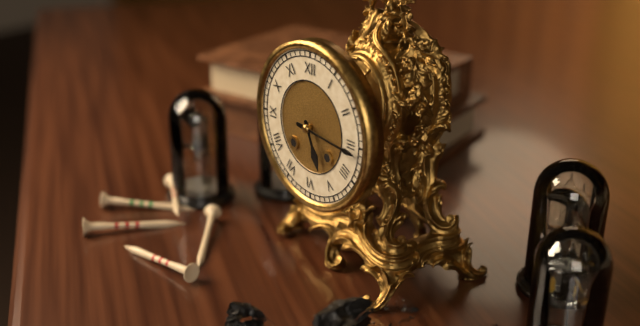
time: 5:16
